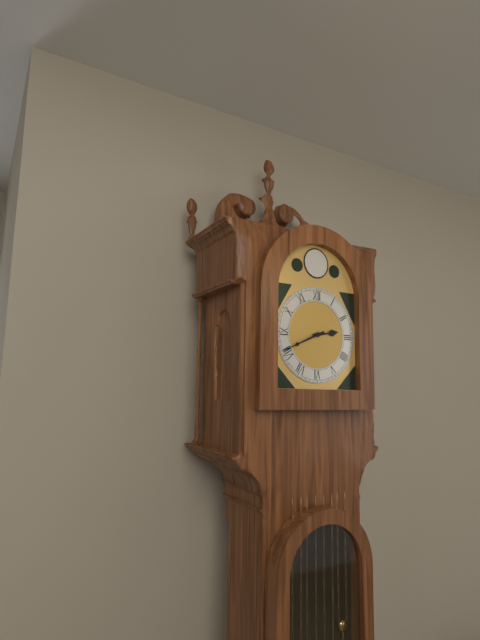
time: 2:41
